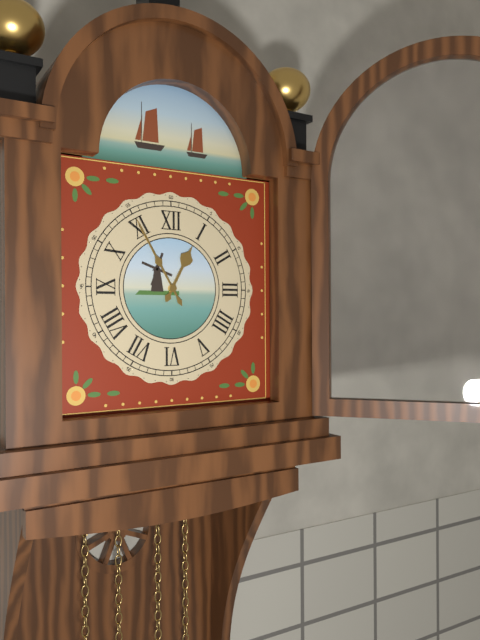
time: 12:55
